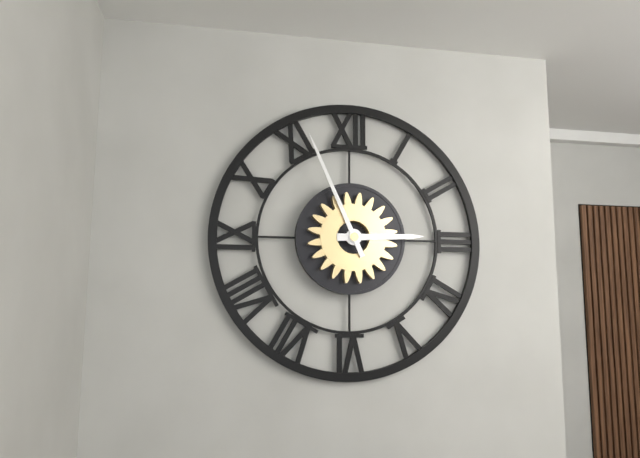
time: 2:56
